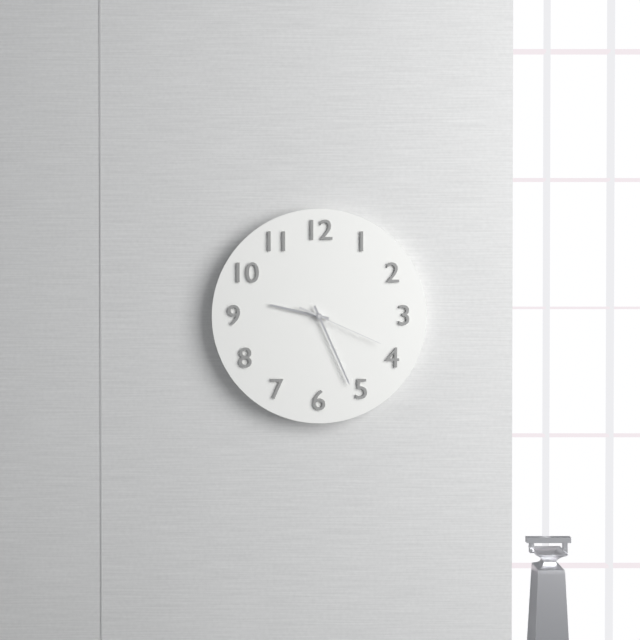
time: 9:26:19
